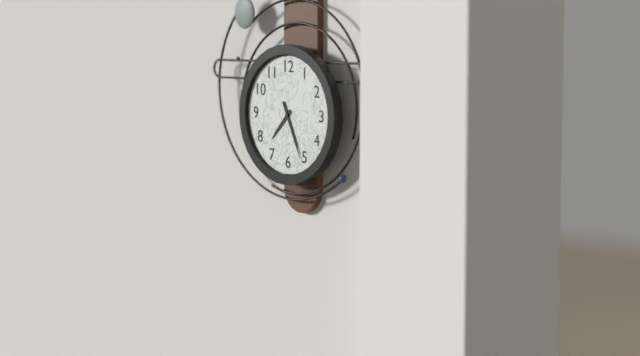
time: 7:26
